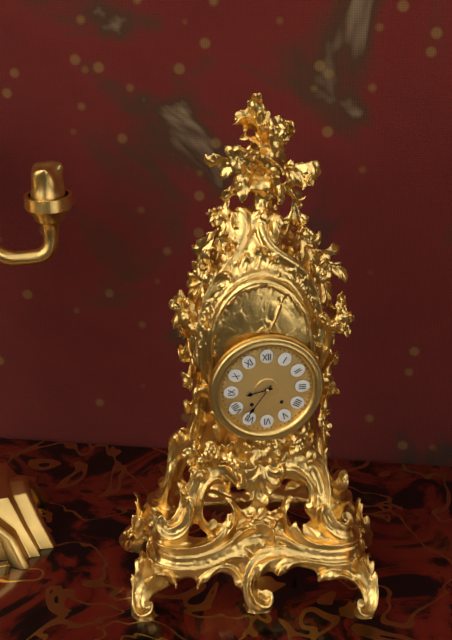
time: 8:36
